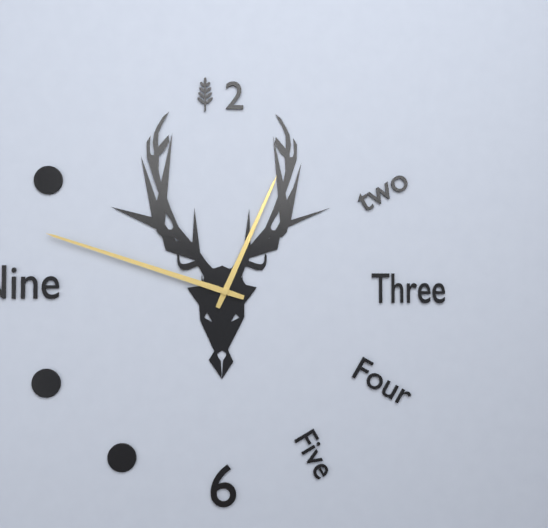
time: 12:48
